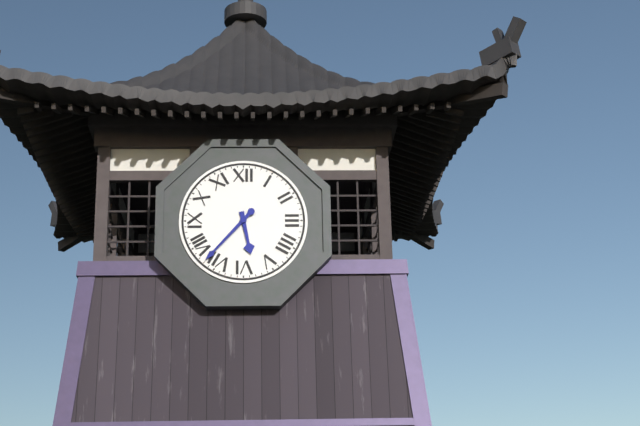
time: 5:37
